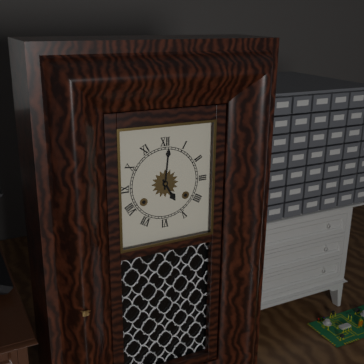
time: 5:01
